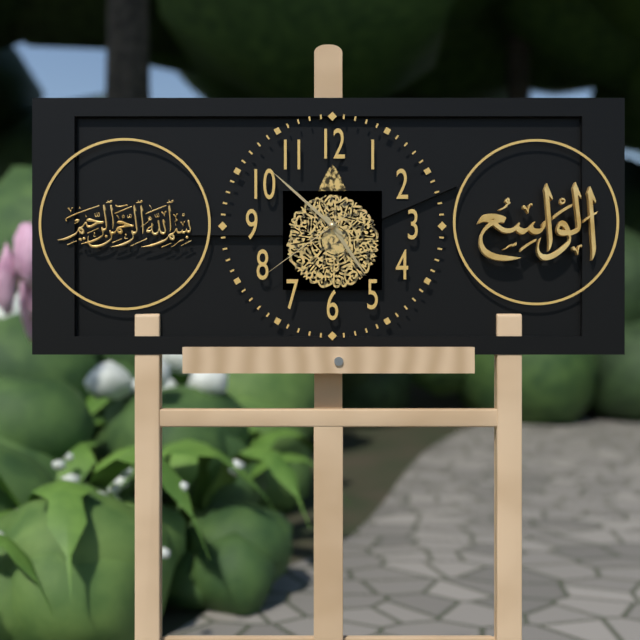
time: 4:52:39
